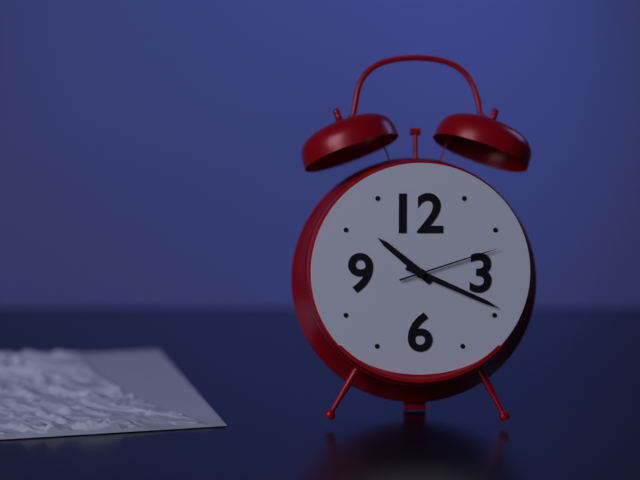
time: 10:19:12
